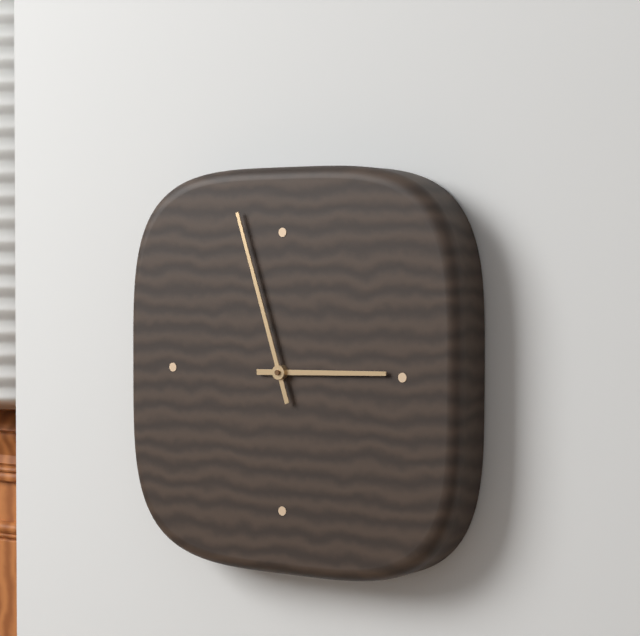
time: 2:57
